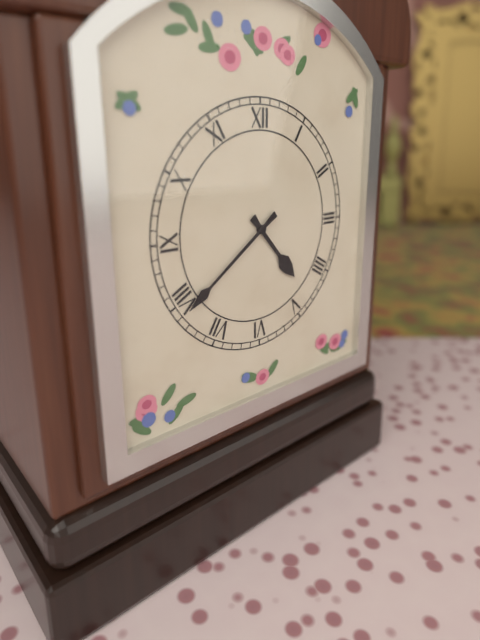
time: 4:39
